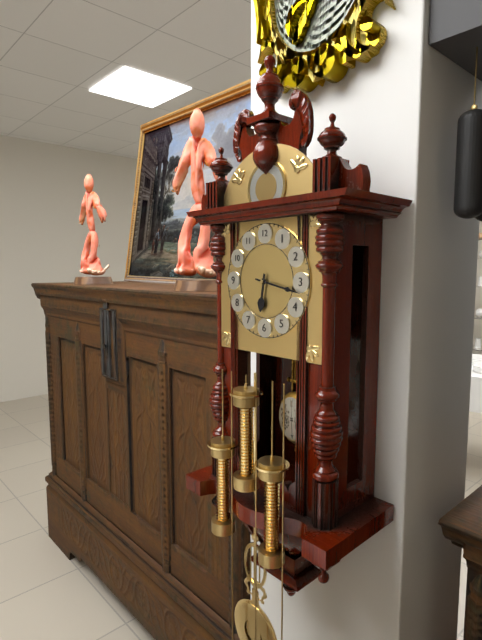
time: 6:17
